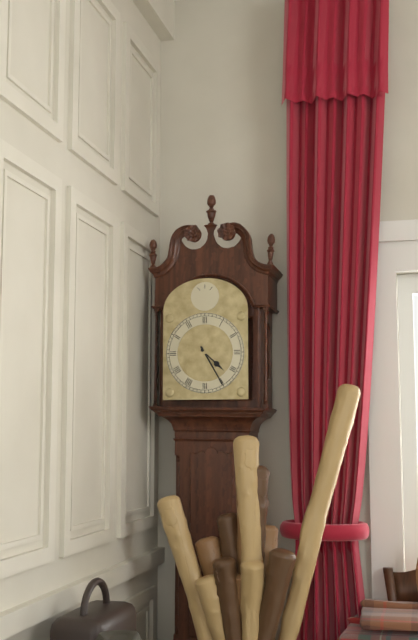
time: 4:25
